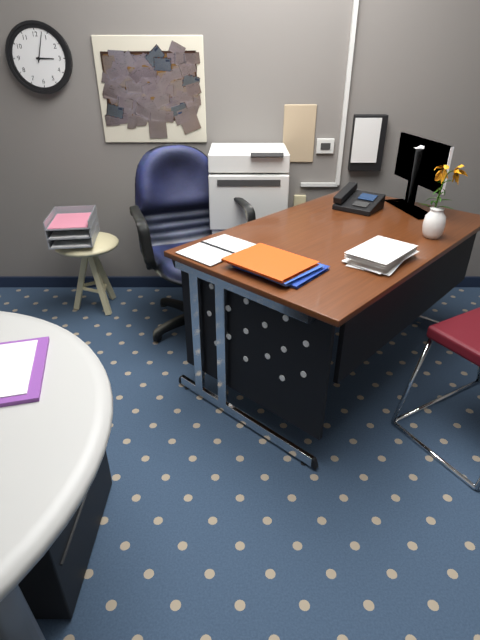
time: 3:03
